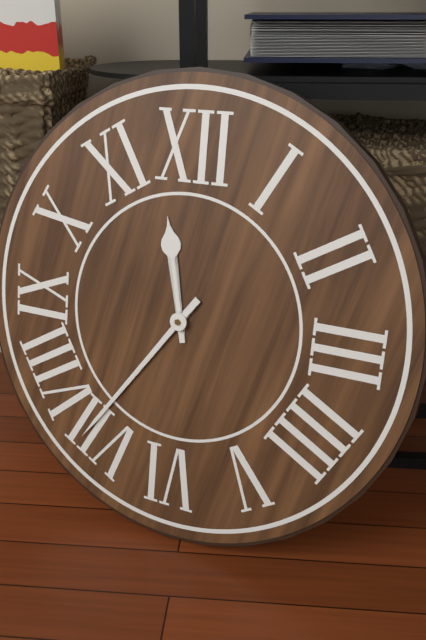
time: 11:36
